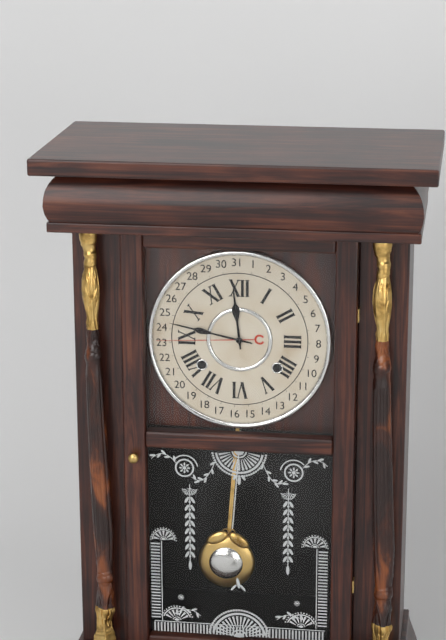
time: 11:47
